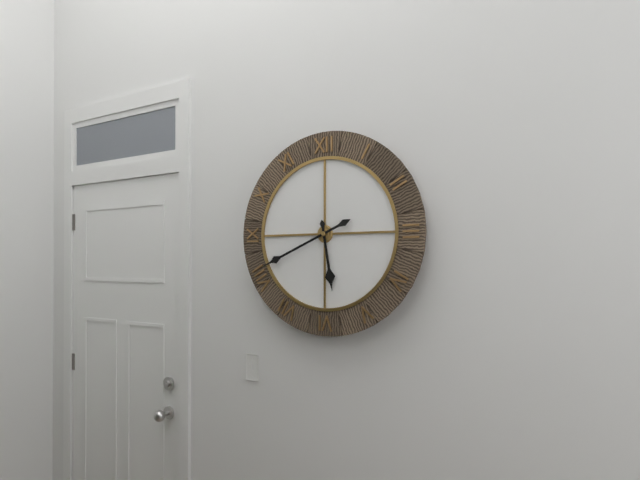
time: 5:41
